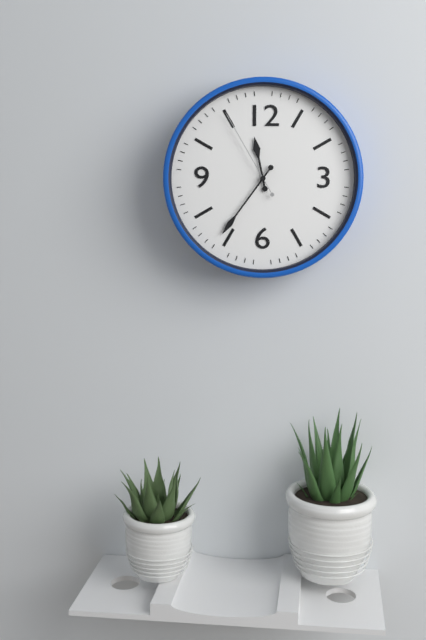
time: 11:36:55
